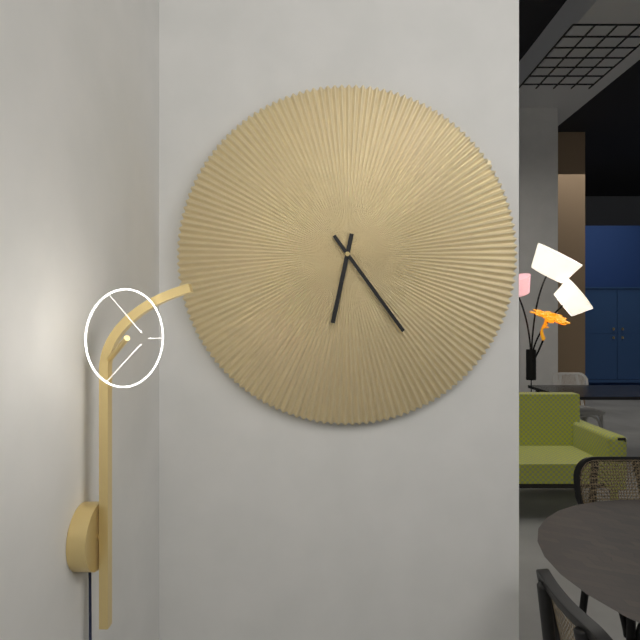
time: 6:24
